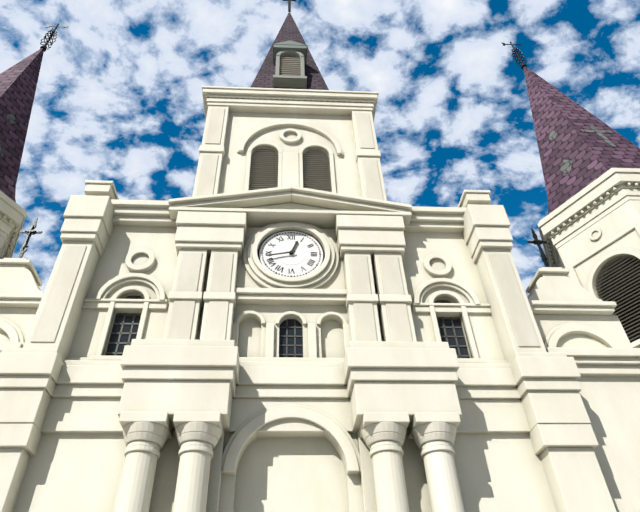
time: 12:43
